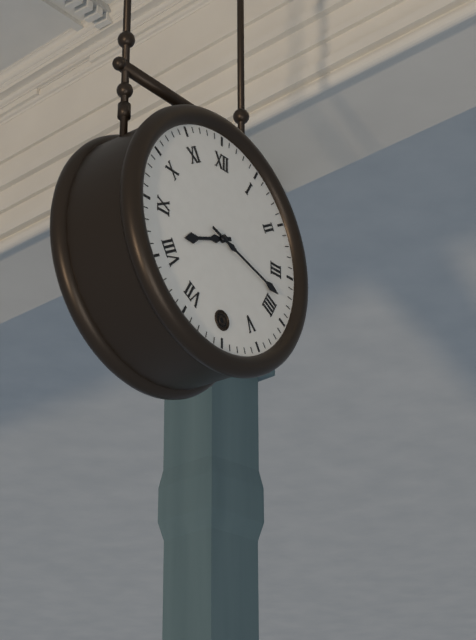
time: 8:18
